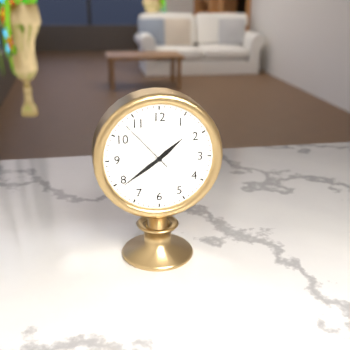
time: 1:39:53
